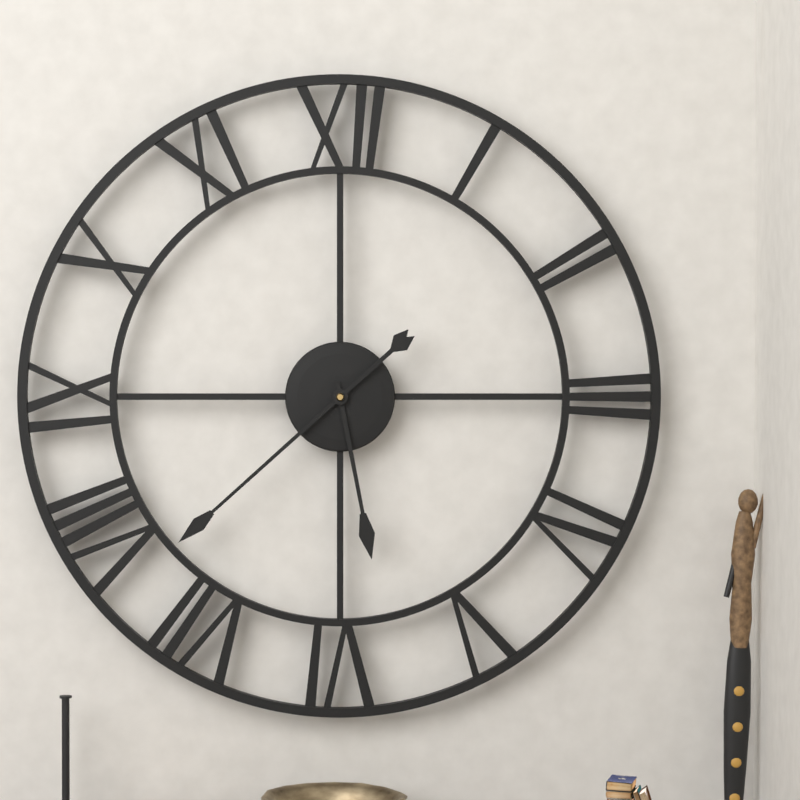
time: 5:38
